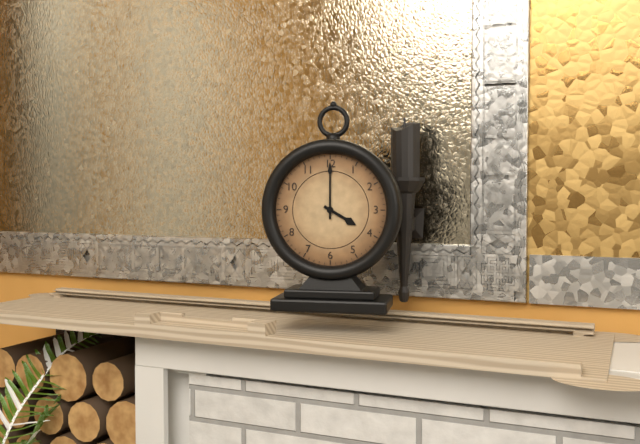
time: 4:00
